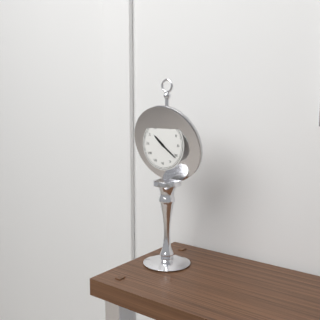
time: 10:21
